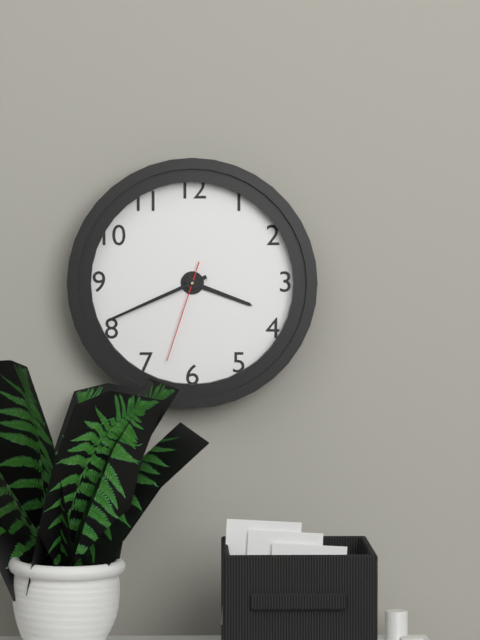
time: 3:41:33
